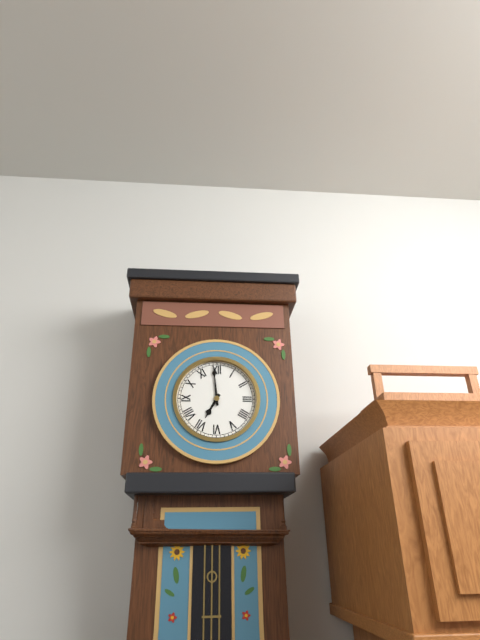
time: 6:59
